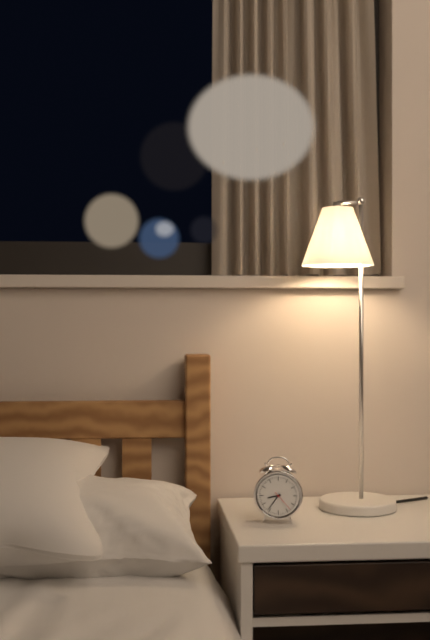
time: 8:36
